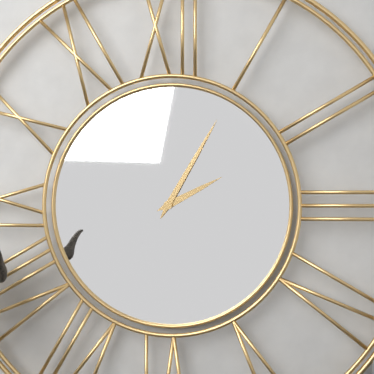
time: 2:05
